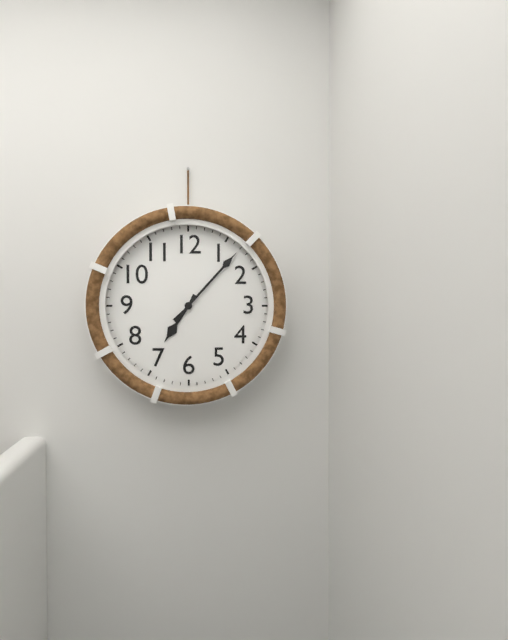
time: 7:07
